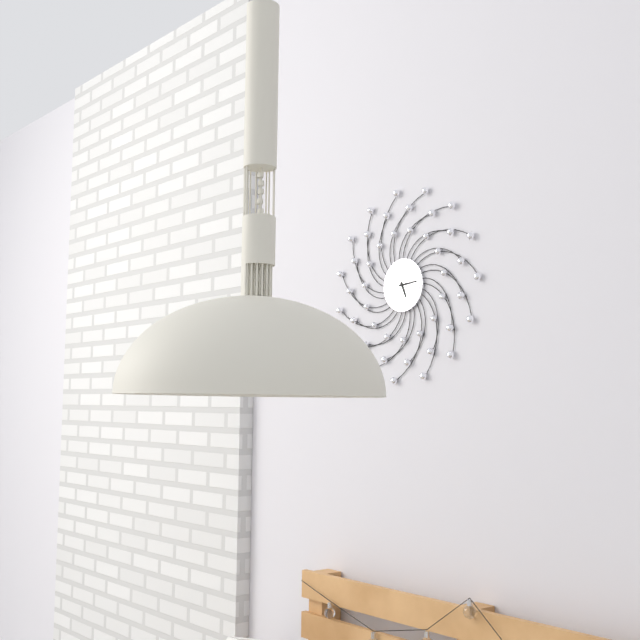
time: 5:14
